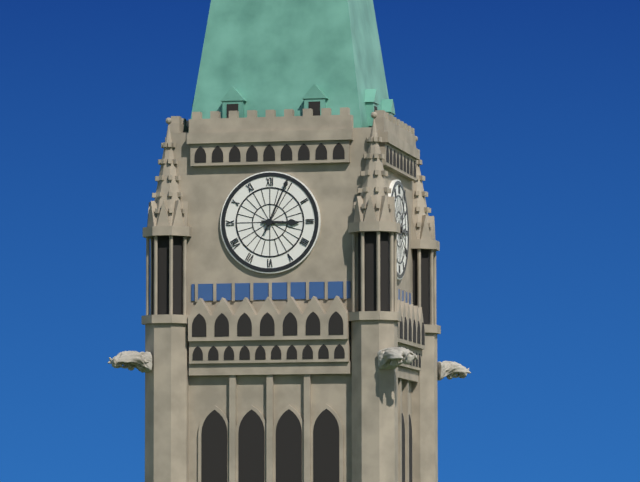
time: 3:04
